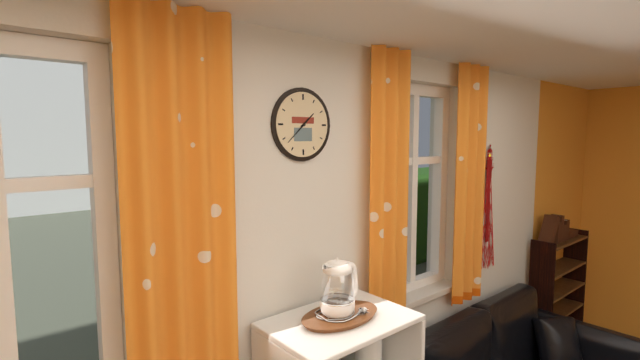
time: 1:38
